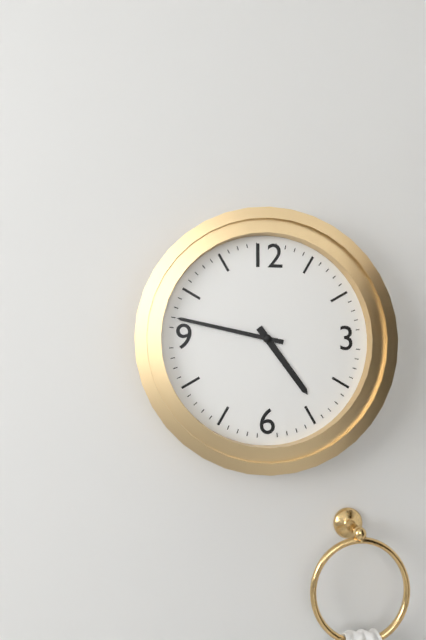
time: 4:47
